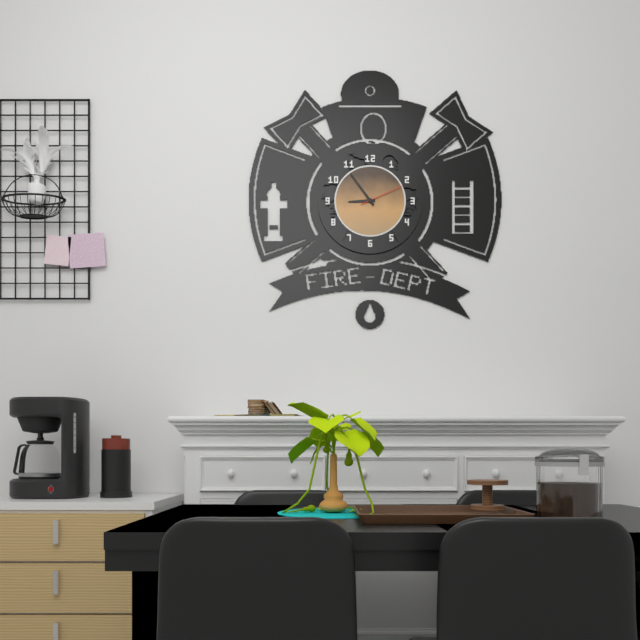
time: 8:54
